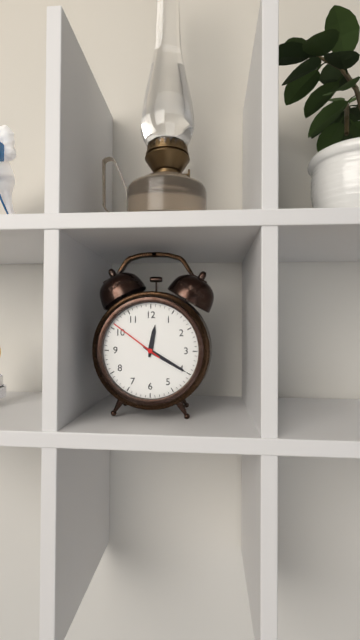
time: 12:20:51
